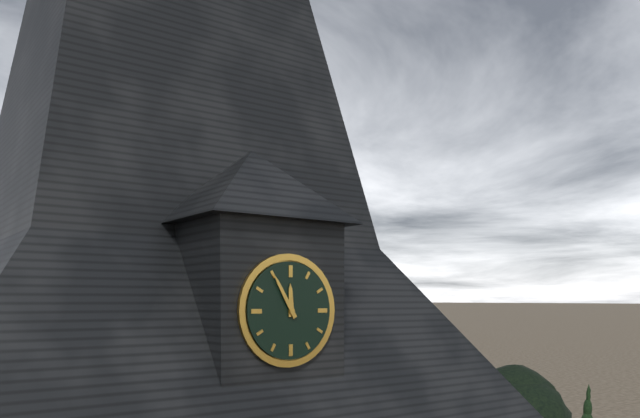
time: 11:55
